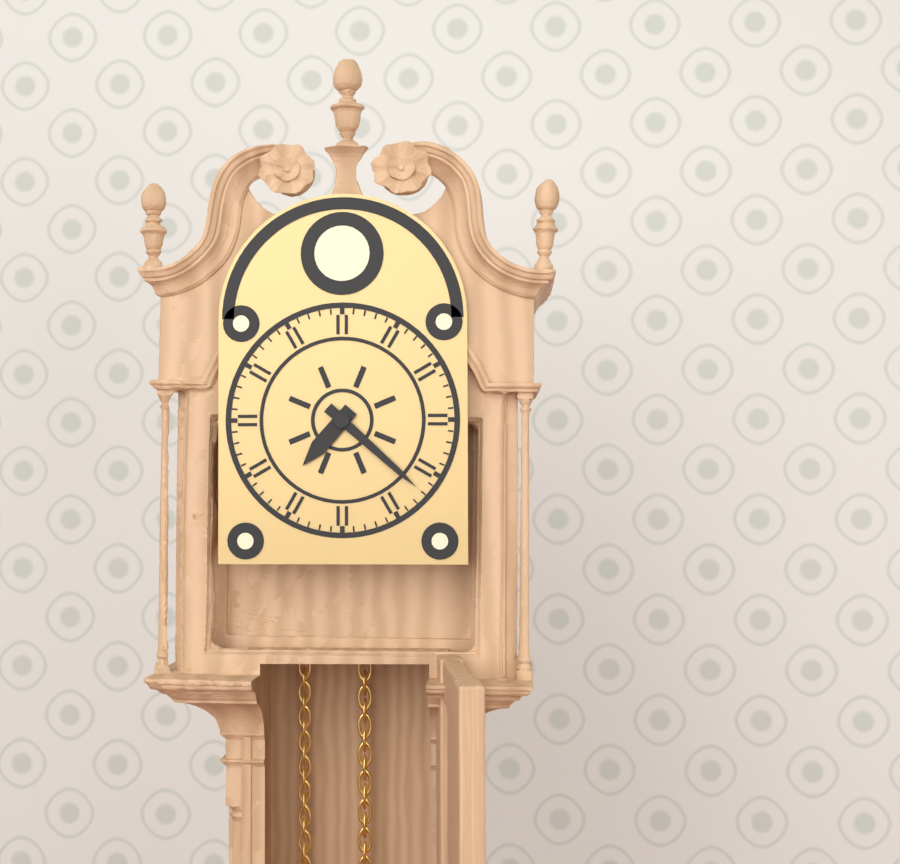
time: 7:22
